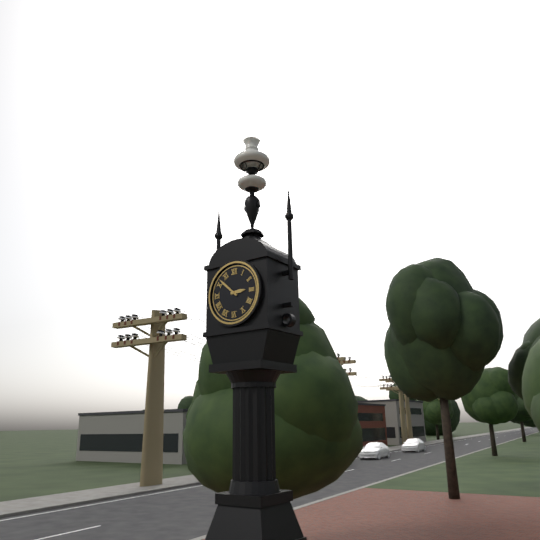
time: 2:52
